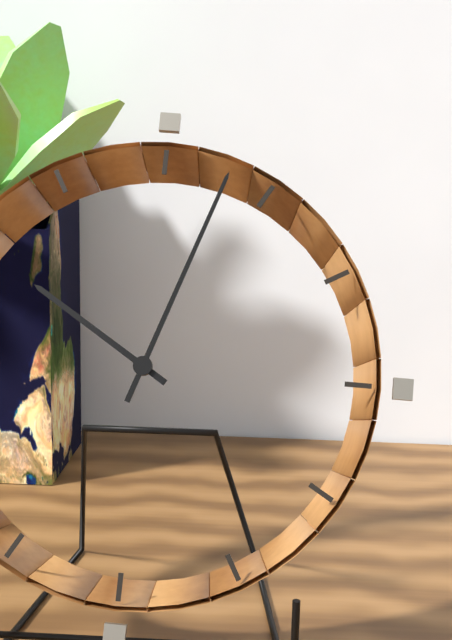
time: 10:03
